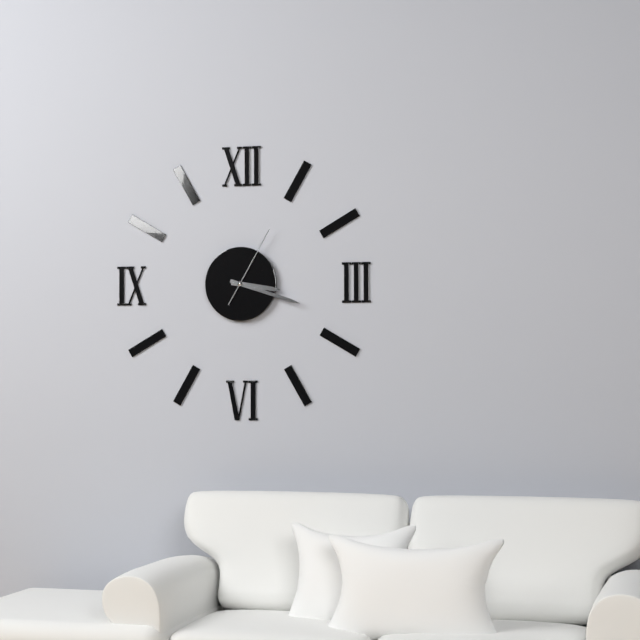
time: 3:18:05
